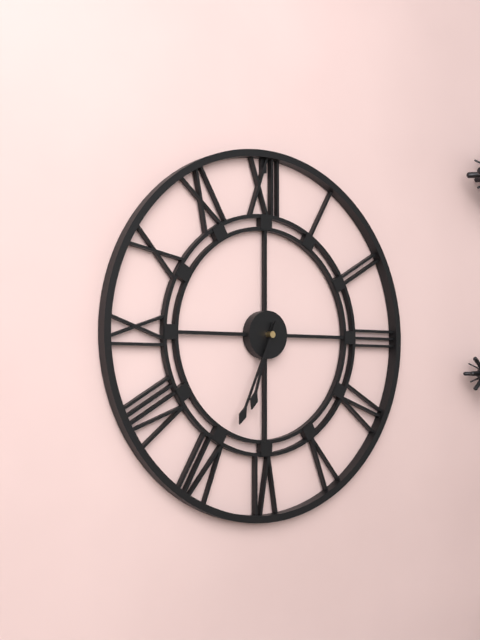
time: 6:34
